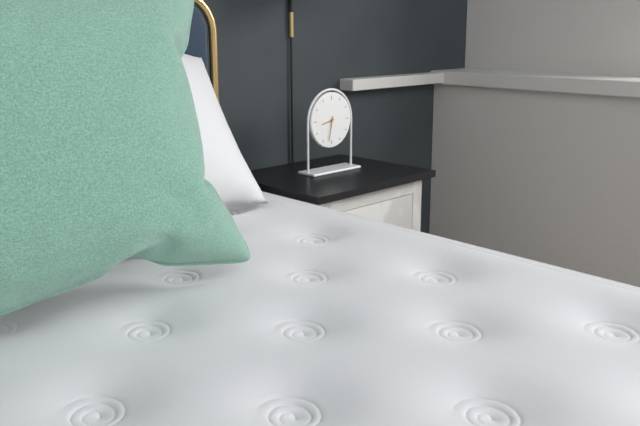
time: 8:32
